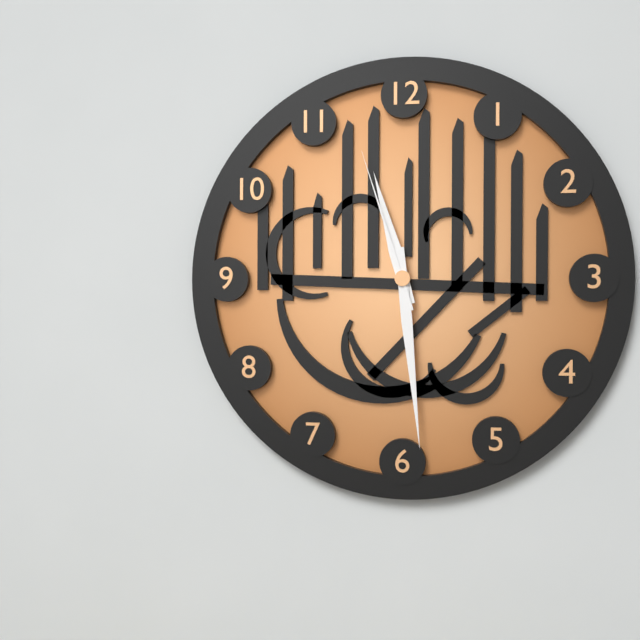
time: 11:29:57
